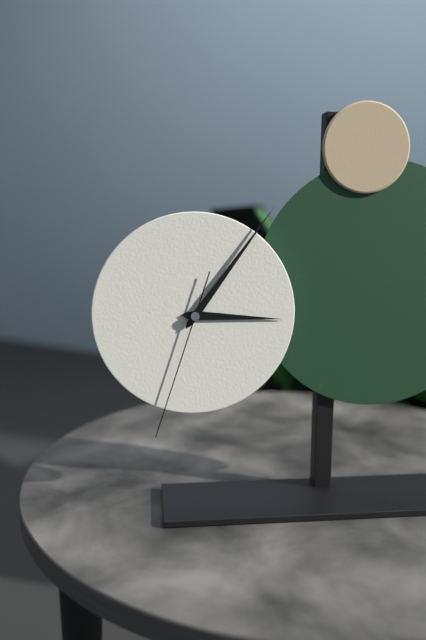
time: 3:06:33
